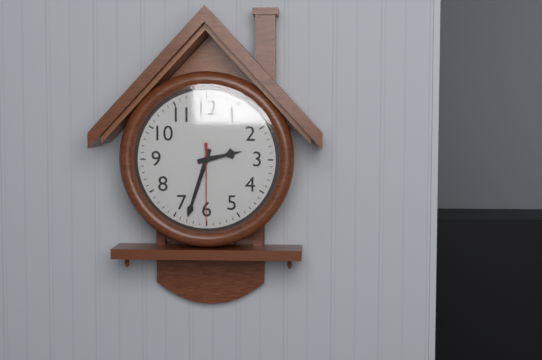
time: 2:33:30
